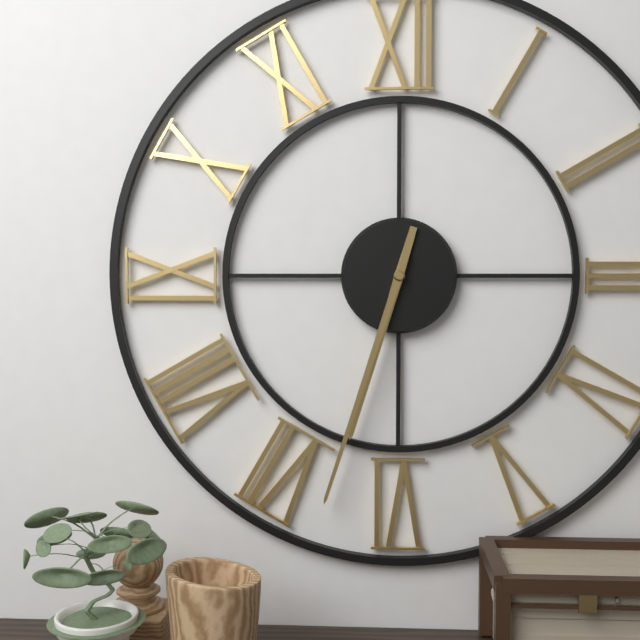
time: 6:33
